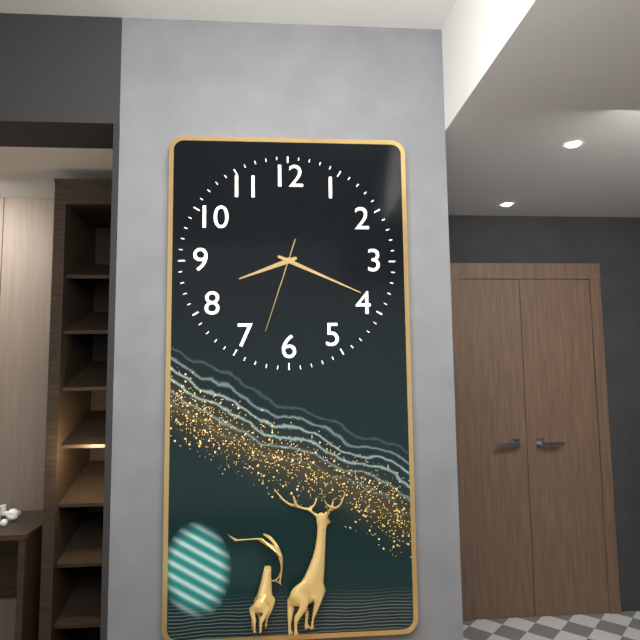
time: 8:19:33
